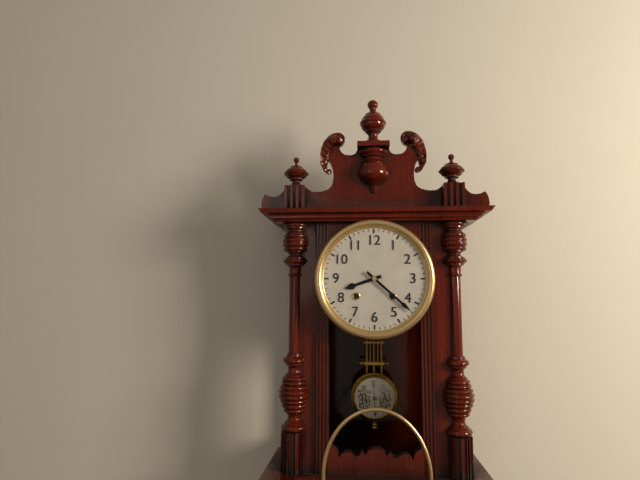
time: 8:22
